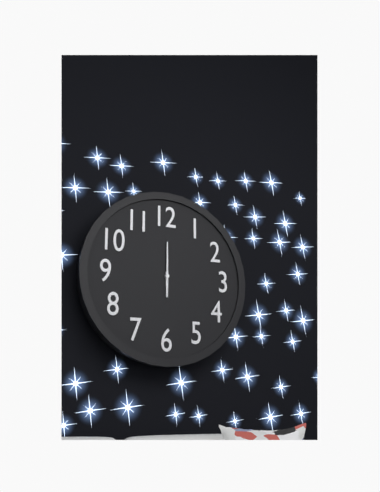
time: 6:00
